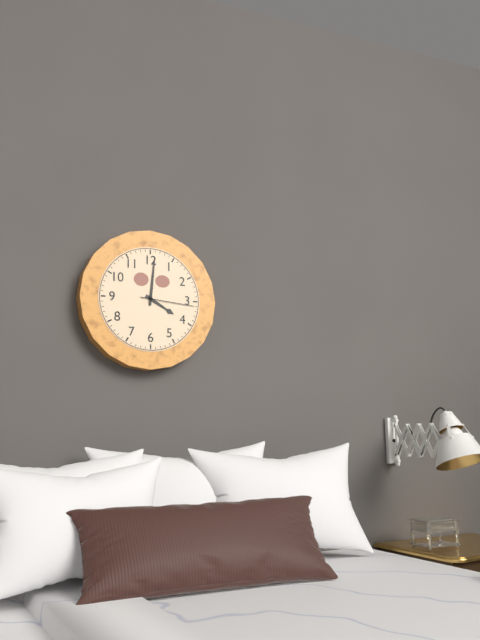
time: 4:01:16
